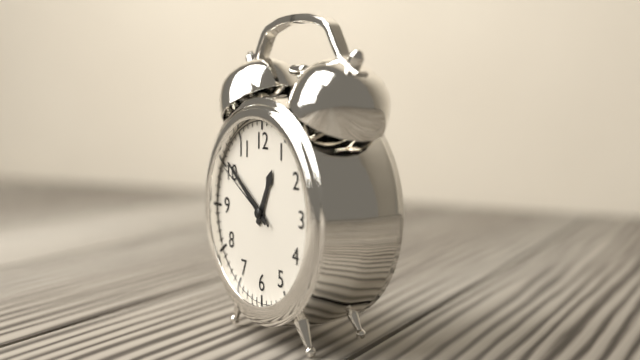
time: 12:51:50
